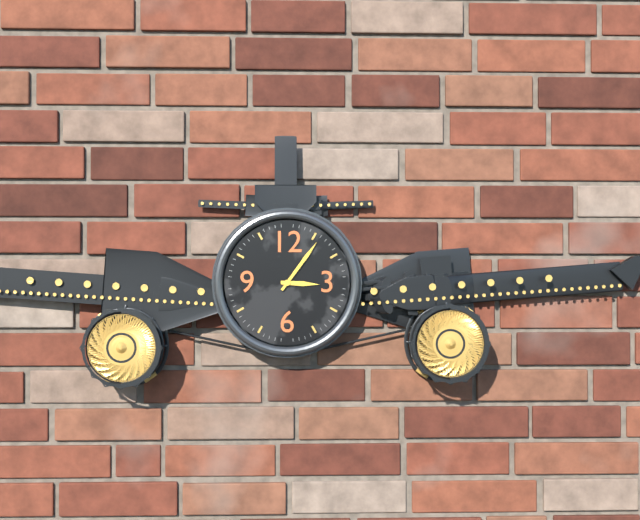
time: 3:06
